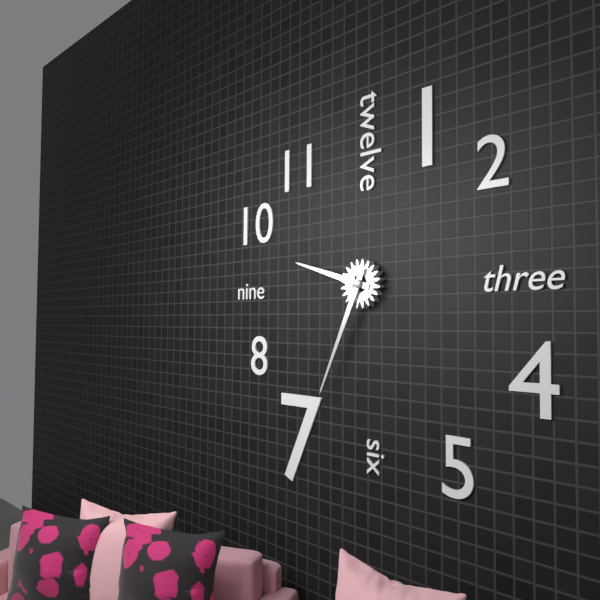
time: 9:34
